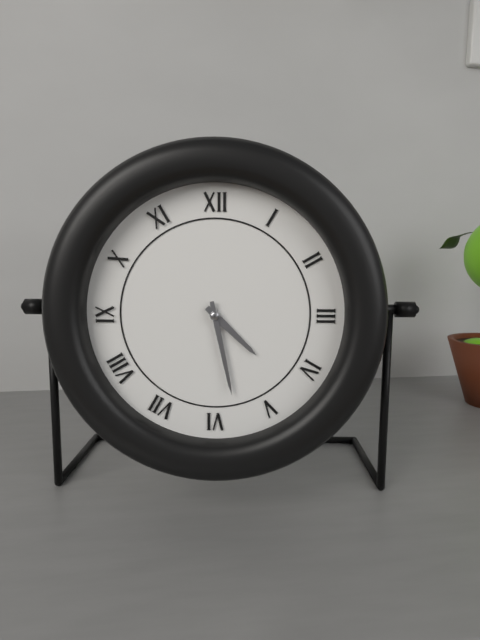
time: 4:28
